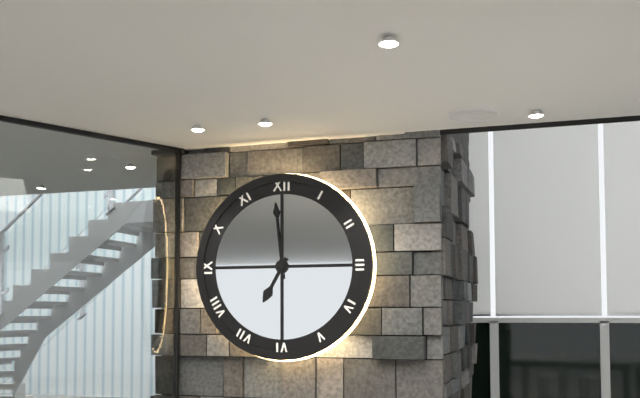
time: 6:59
